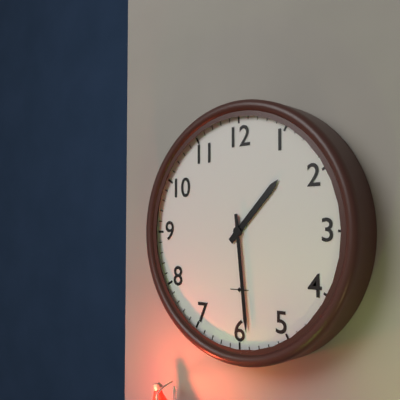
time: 1:29
